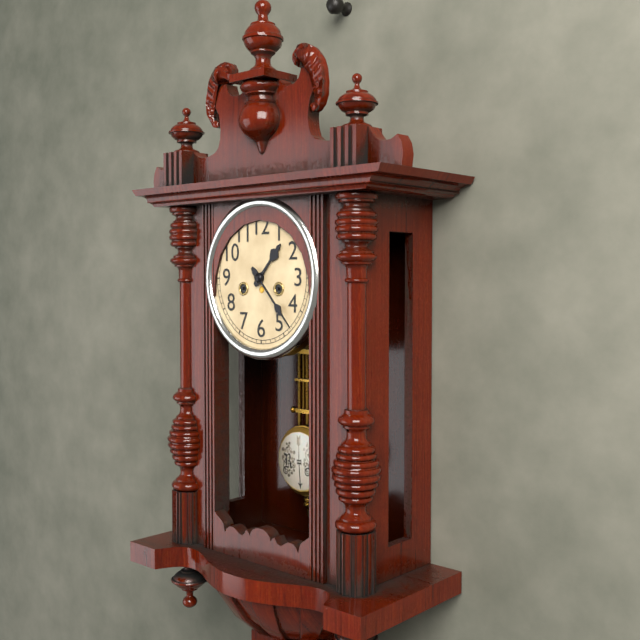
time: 1:23
